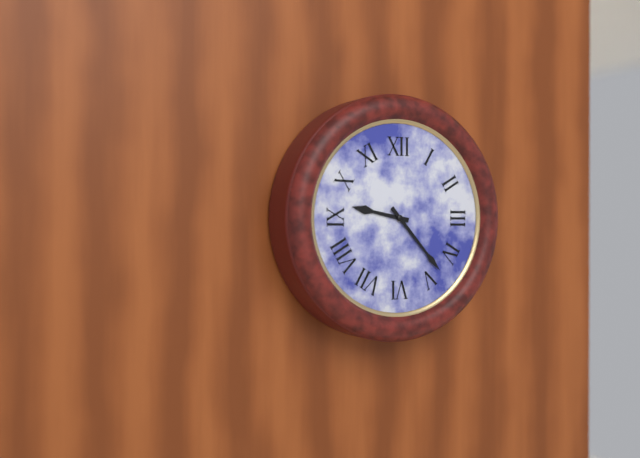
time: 9:23
